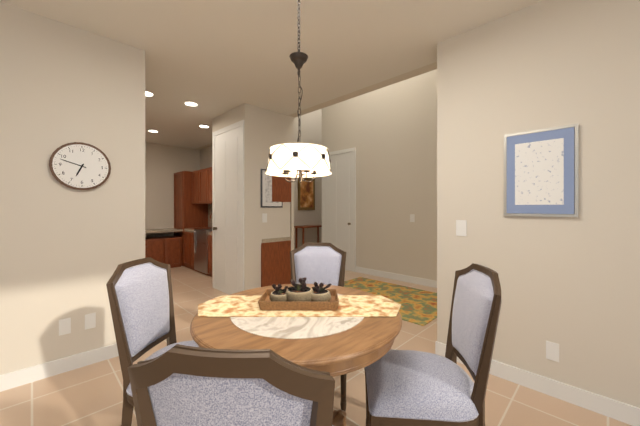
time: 6:48
